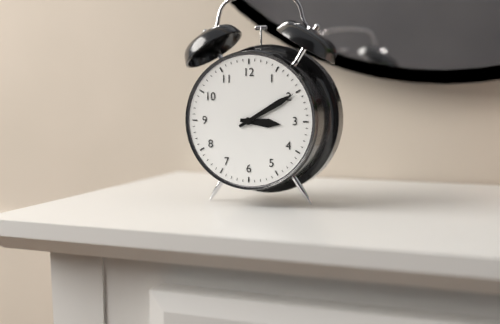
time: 3:10
